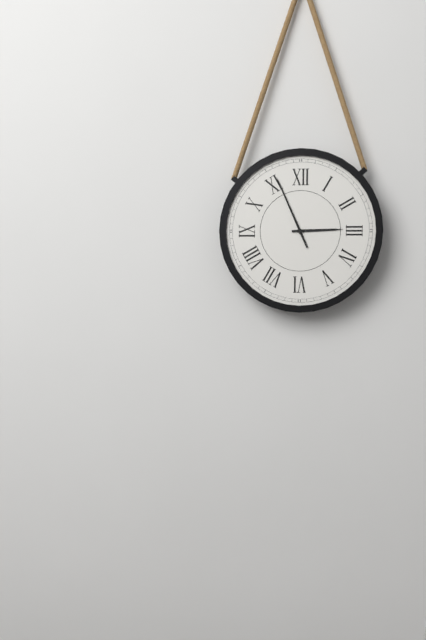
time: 2:56
